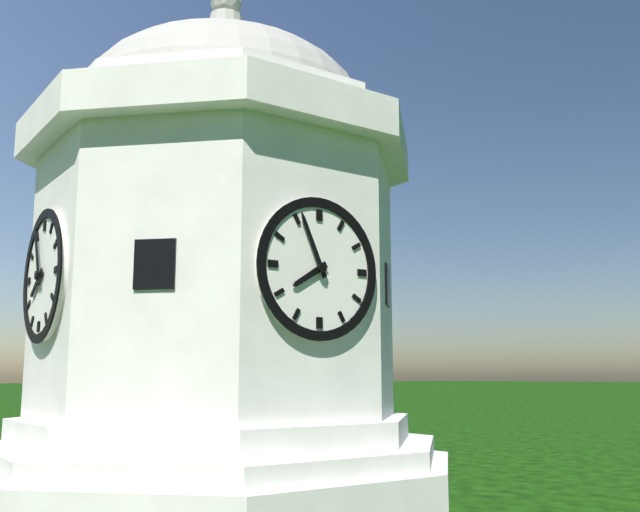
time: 7:56
